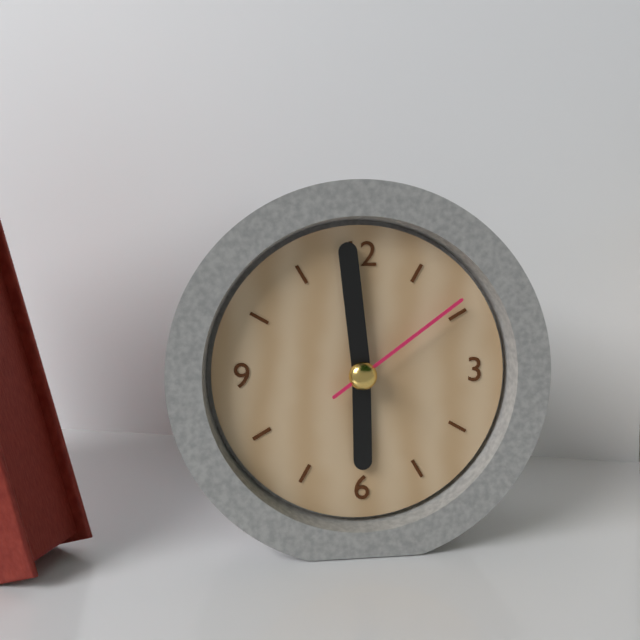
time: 5:59:09
